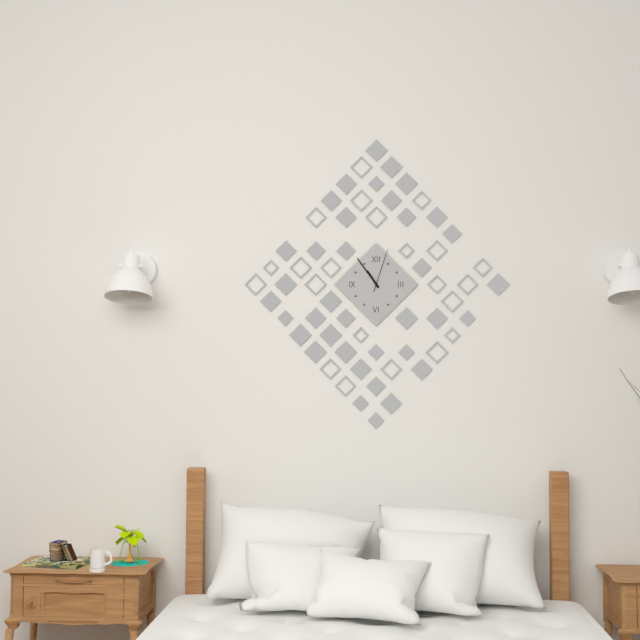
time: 10:54
